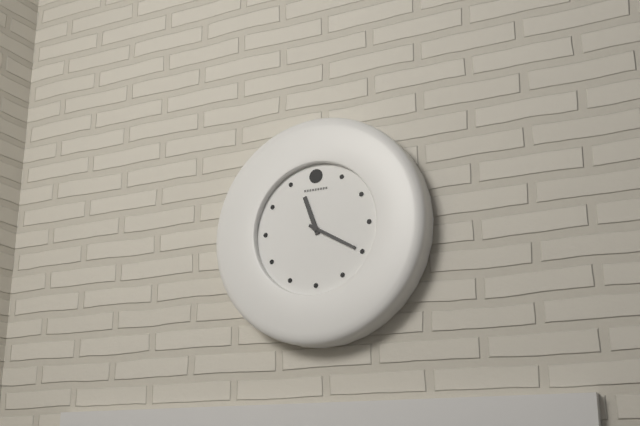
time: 11:20
